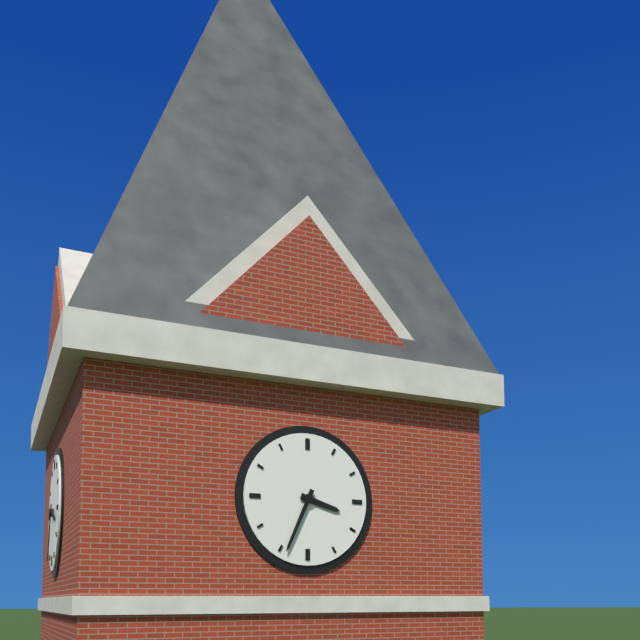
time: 3:34
